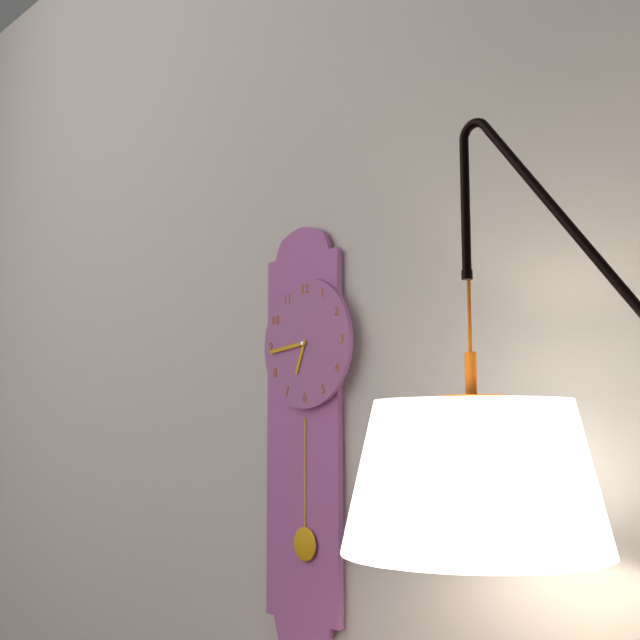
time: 6:44
